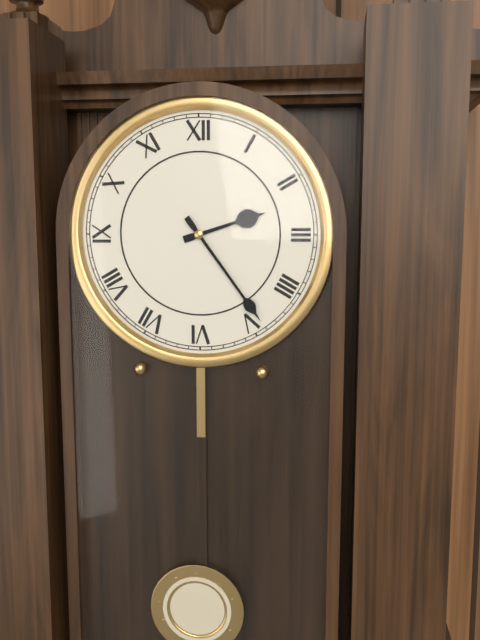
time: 2:24
